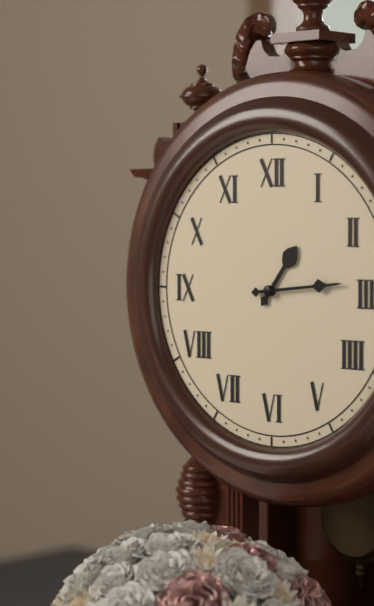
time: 1:14
